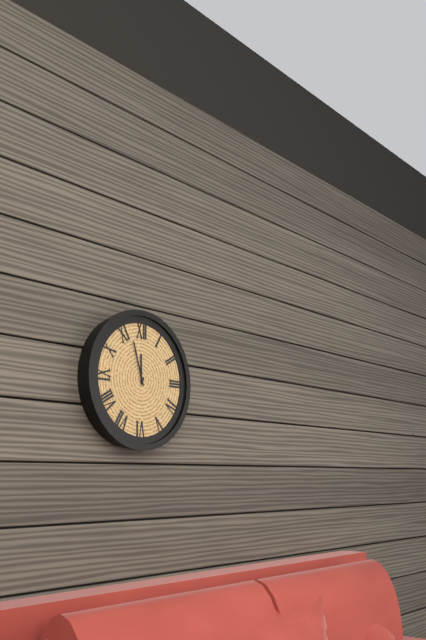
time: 11:57
